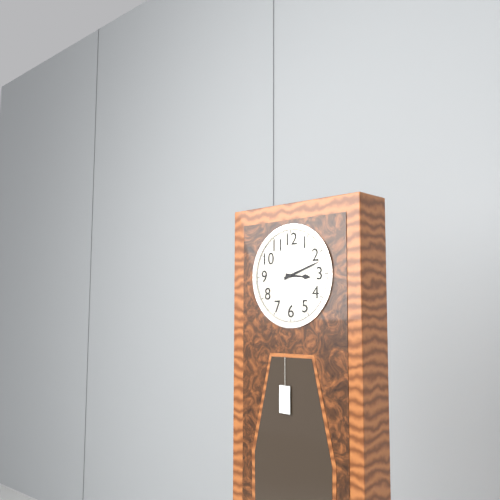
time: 3:12
